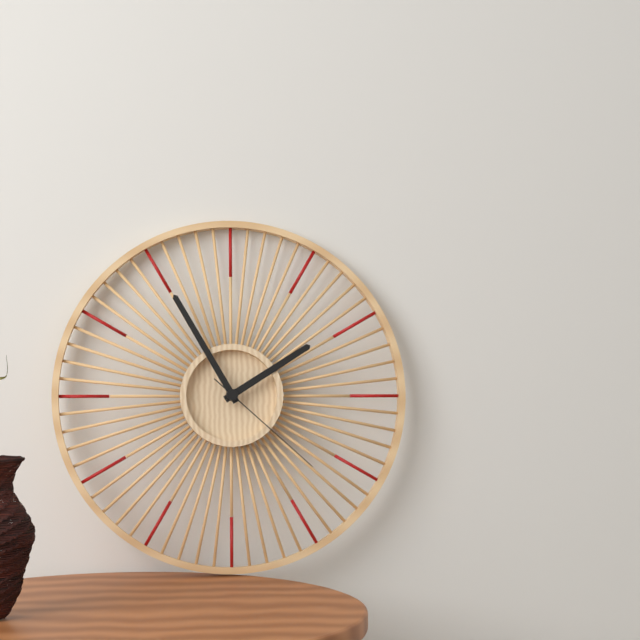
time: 1:55:22
